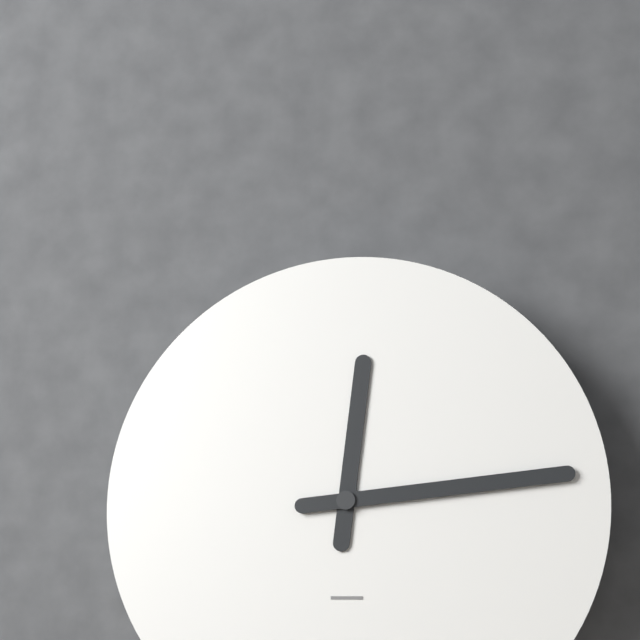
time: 12:14
